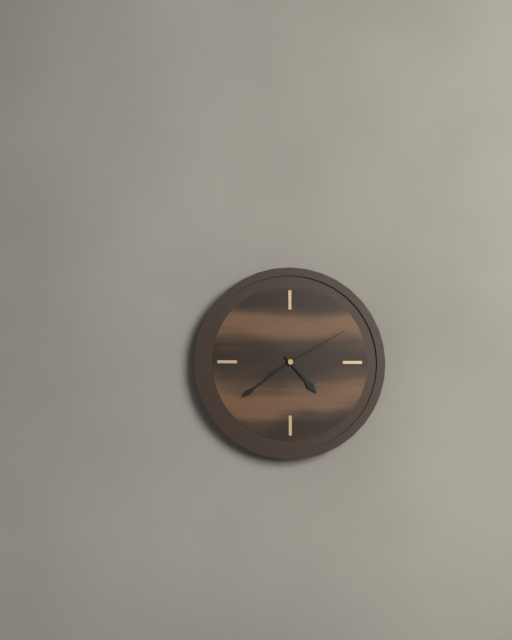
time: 4:39:10
